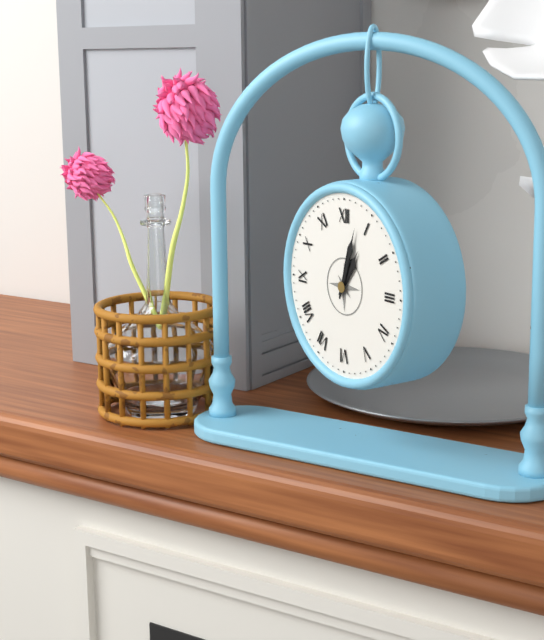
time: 1:03
